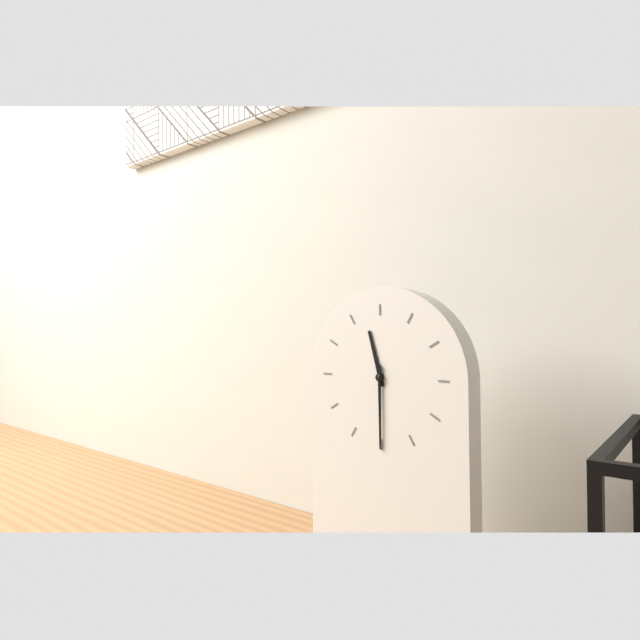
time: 11:30
